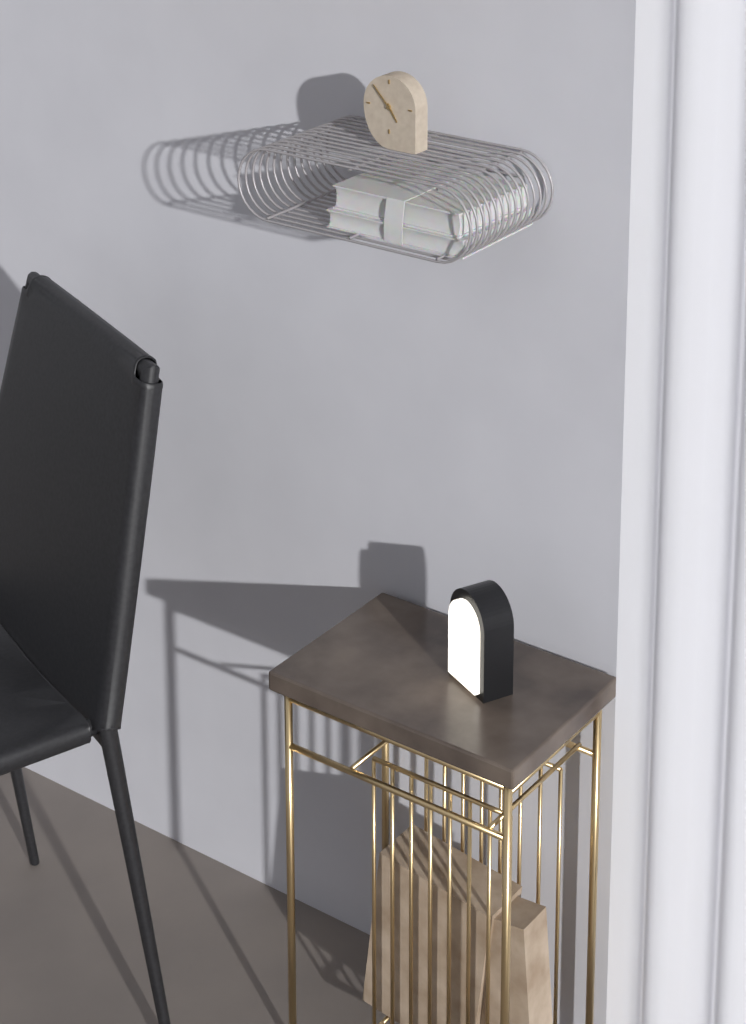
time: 4:53
